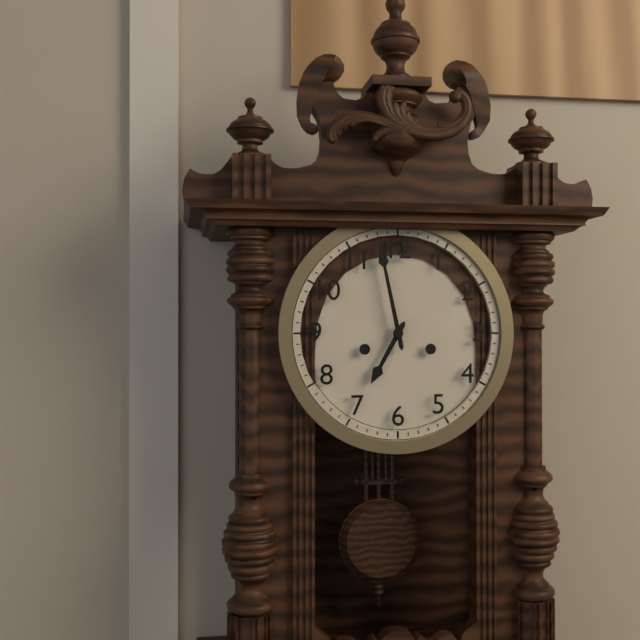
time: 6:58
